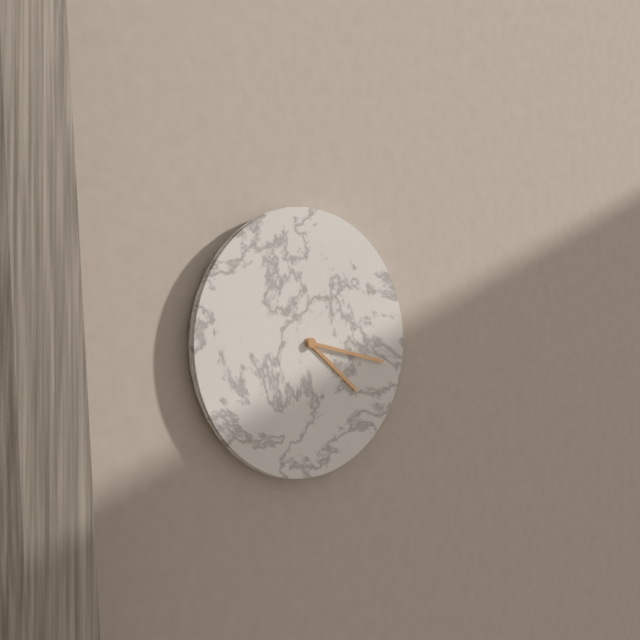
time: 4:17
